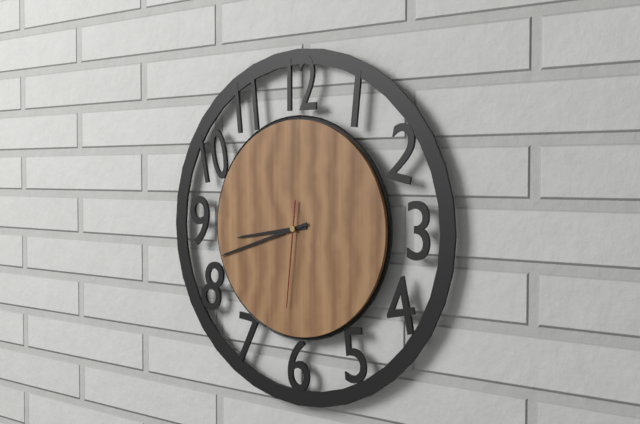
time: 8:42:31
